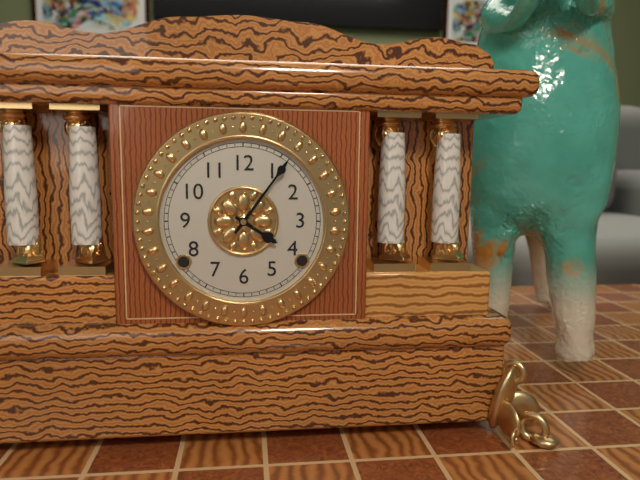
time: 4:06
